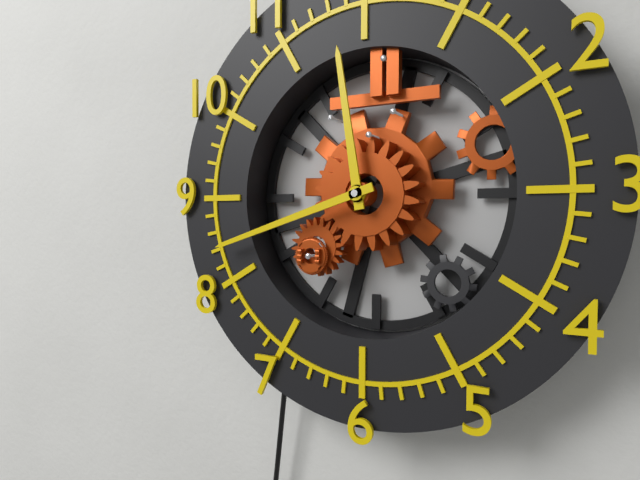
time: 11:42
